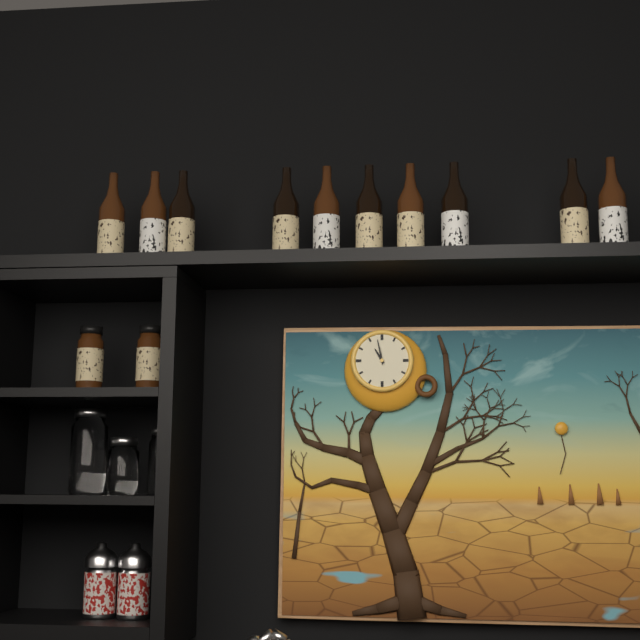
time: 10:58
